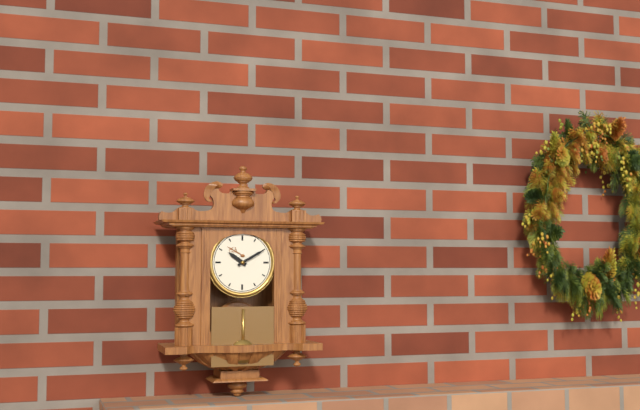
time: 10:10
